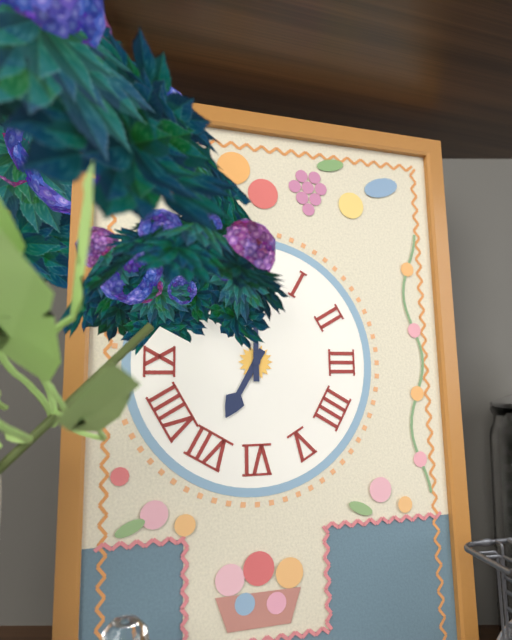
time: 7:00
